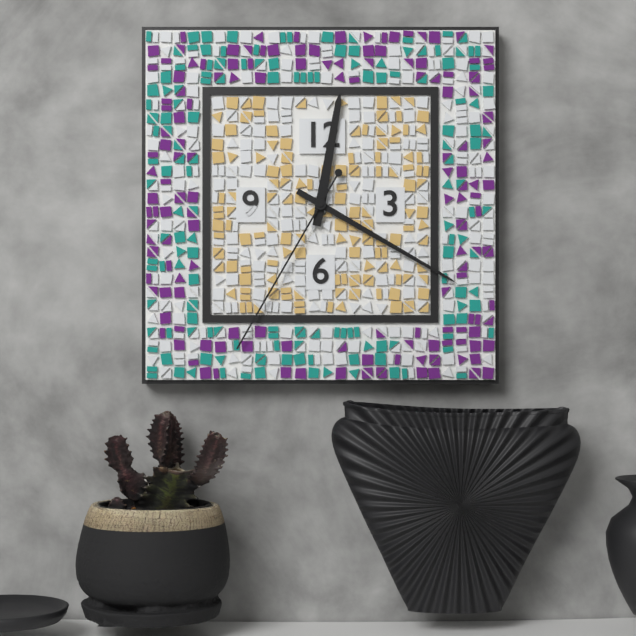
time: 12:20:35
